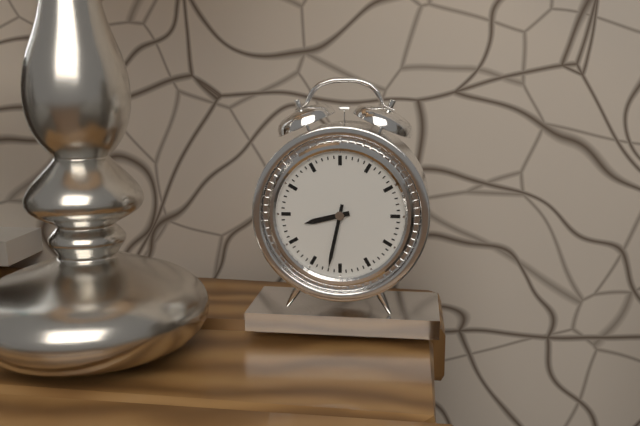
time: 8:32
